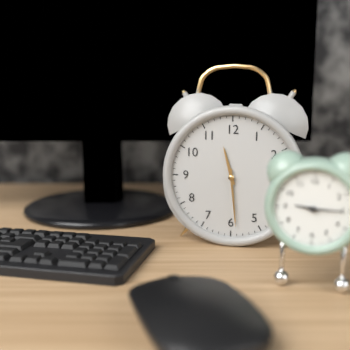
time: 11:29
